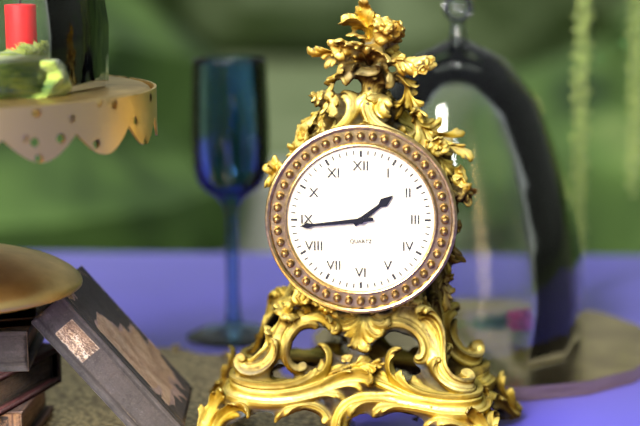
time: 1:44
